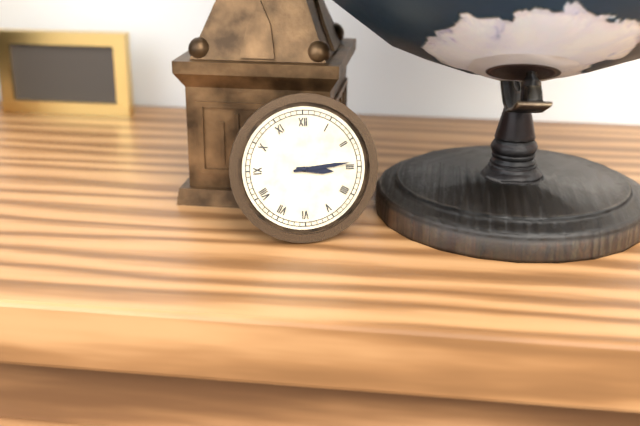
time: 3:14
